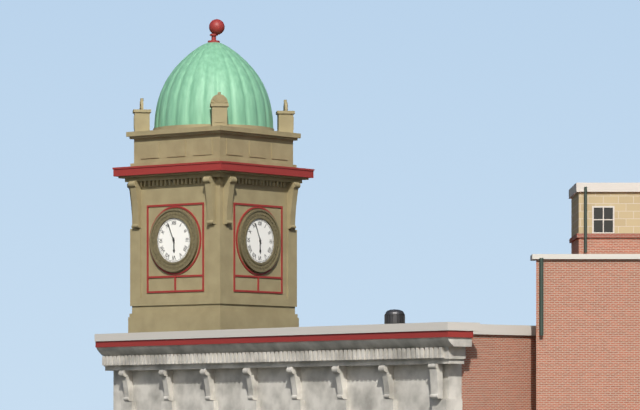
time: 5:56
